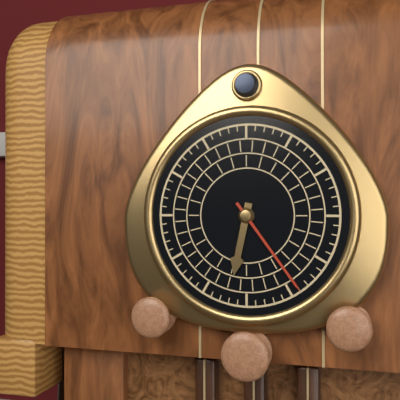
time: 6:24
